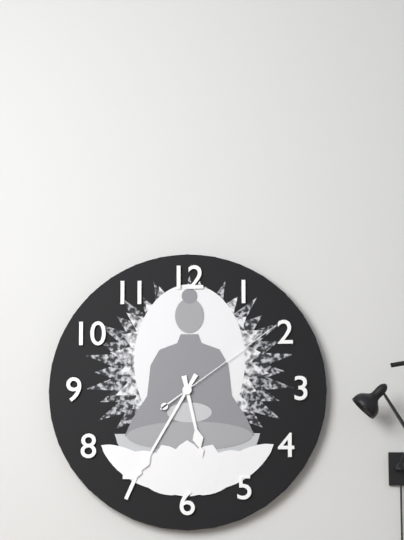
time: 5:35:09
